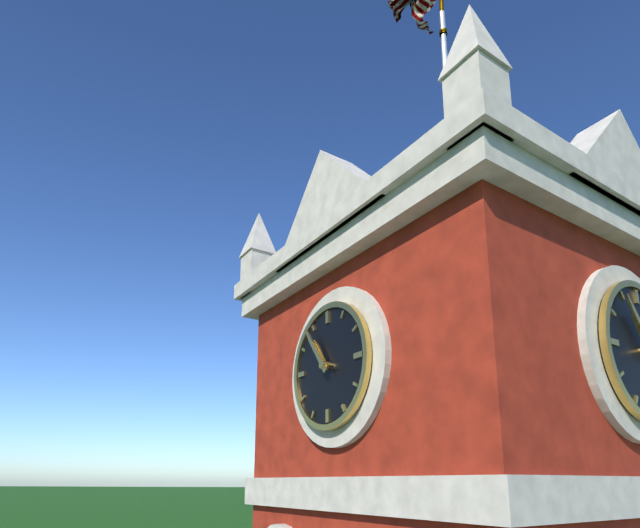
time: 10:54
